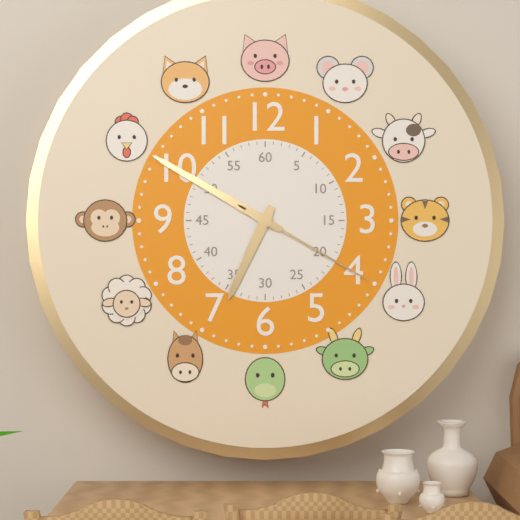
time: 6:50:20
